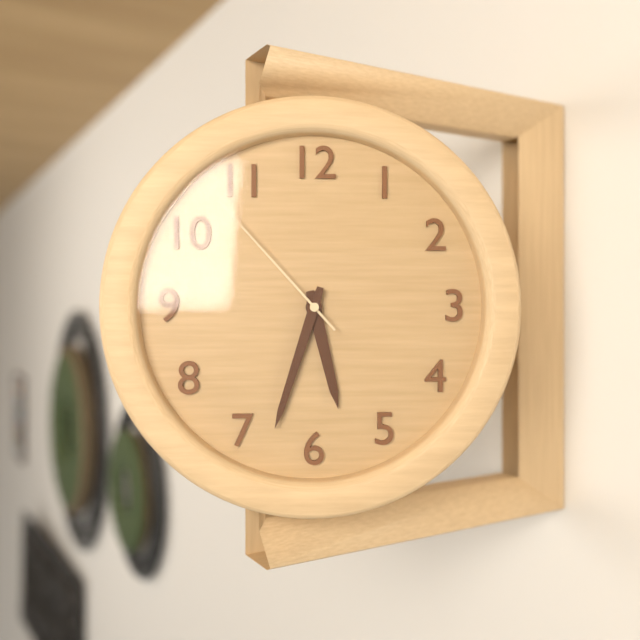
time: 5:33:53
